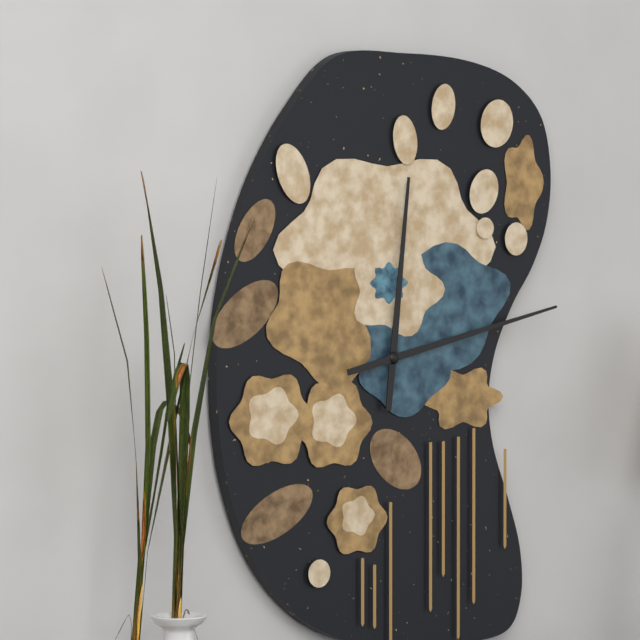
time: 12:13
